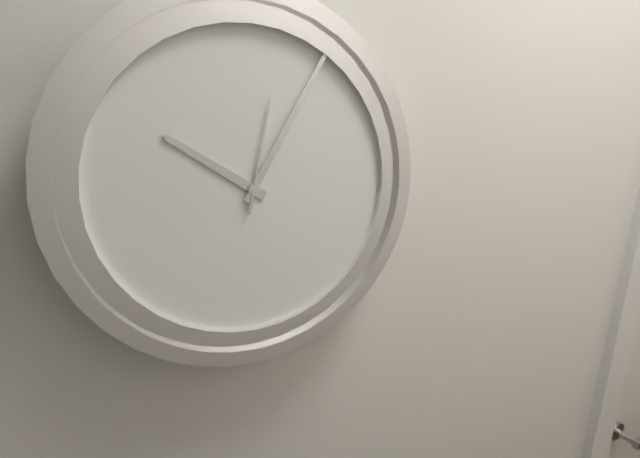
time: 10:05:02
